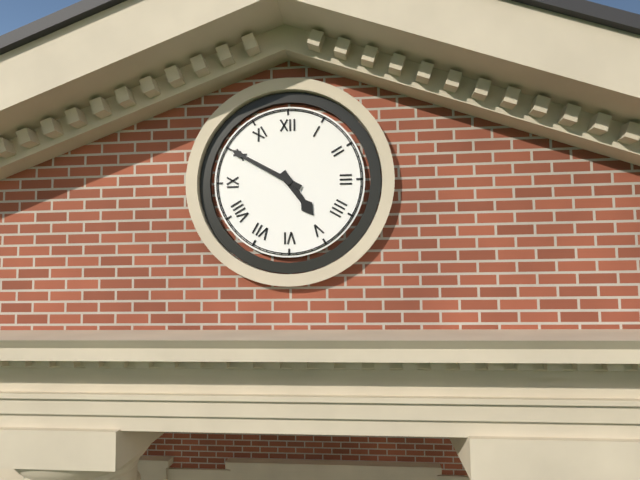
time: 4:50
